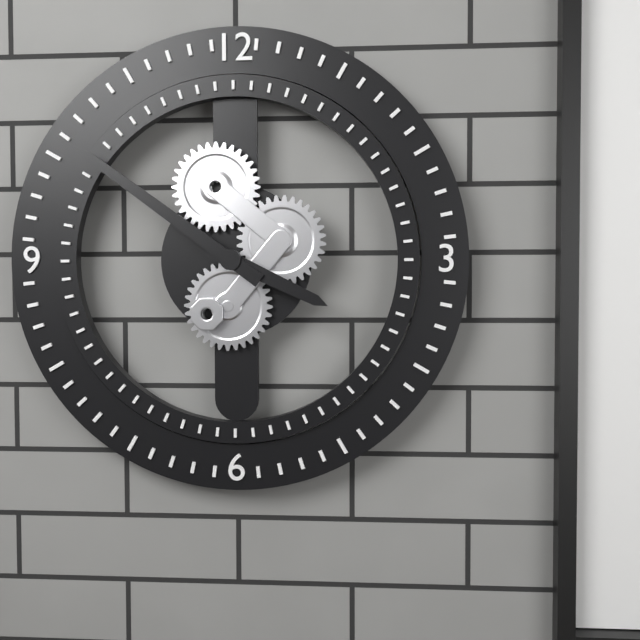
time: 3:51
